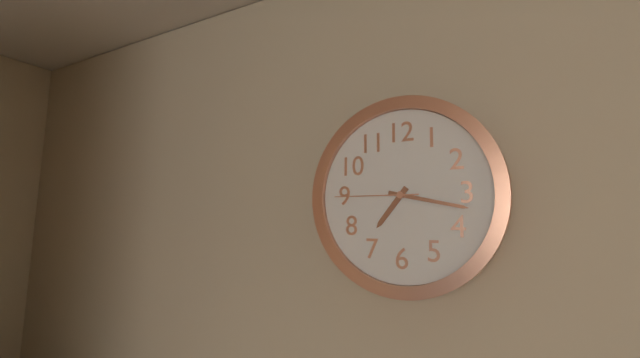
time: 7:17:45
